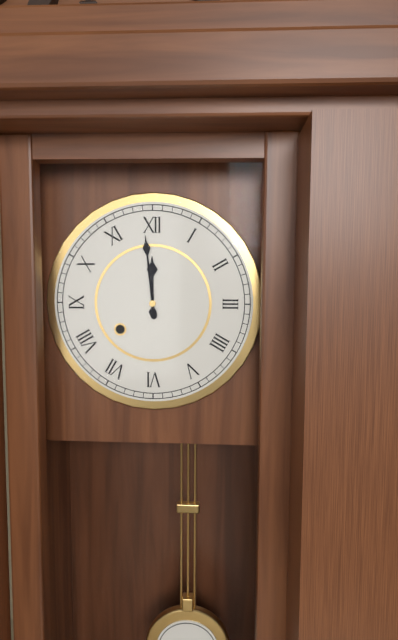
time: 11:59
